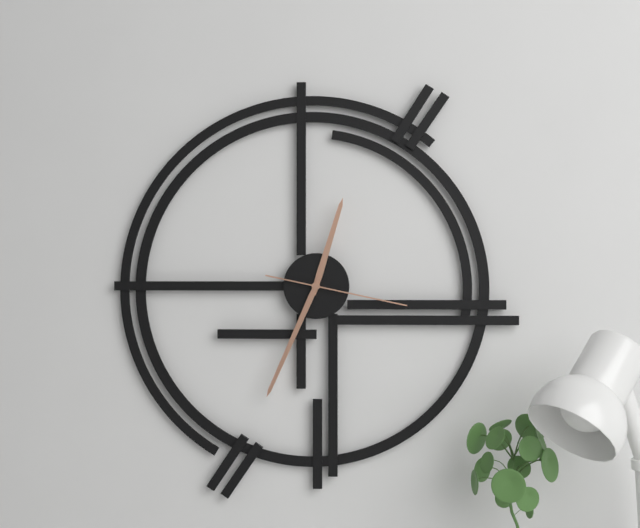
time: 12:34:17
